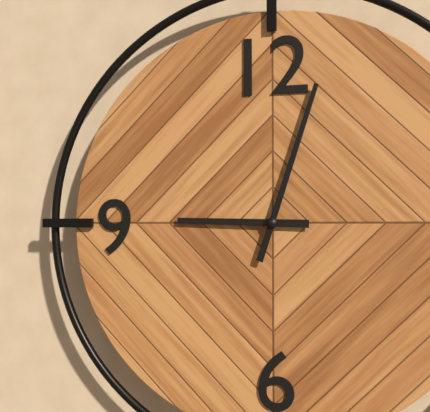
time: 9:03
